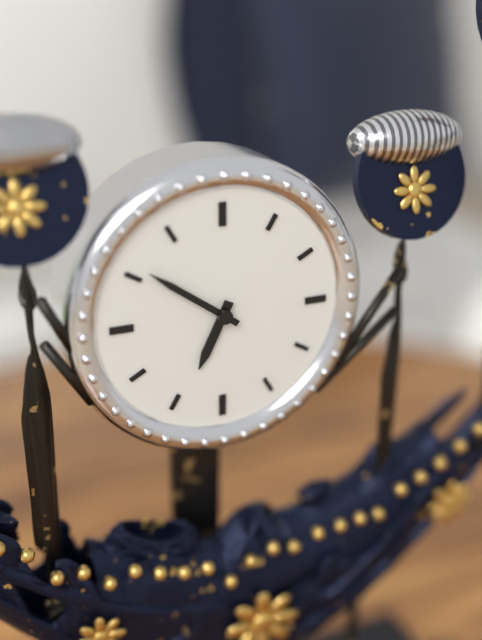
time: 6:51
